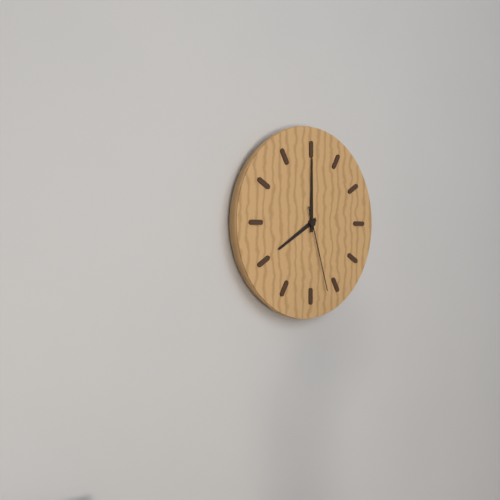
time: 8:00:27
